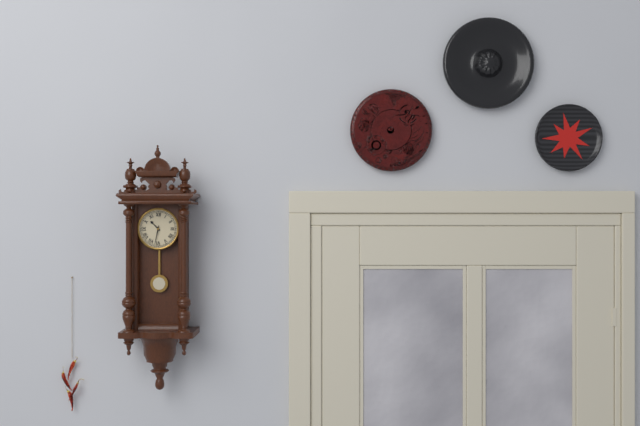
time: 10:32
